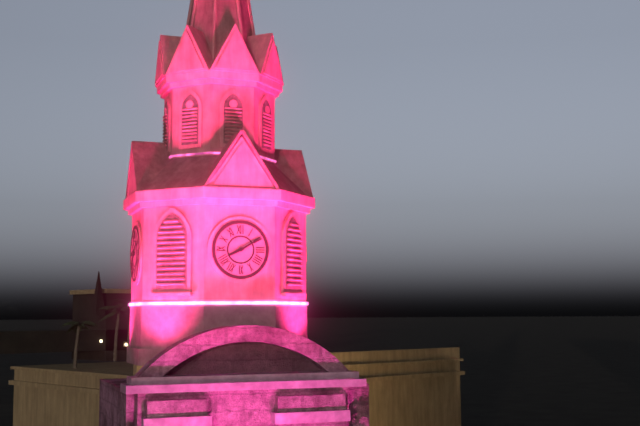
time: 8:10
